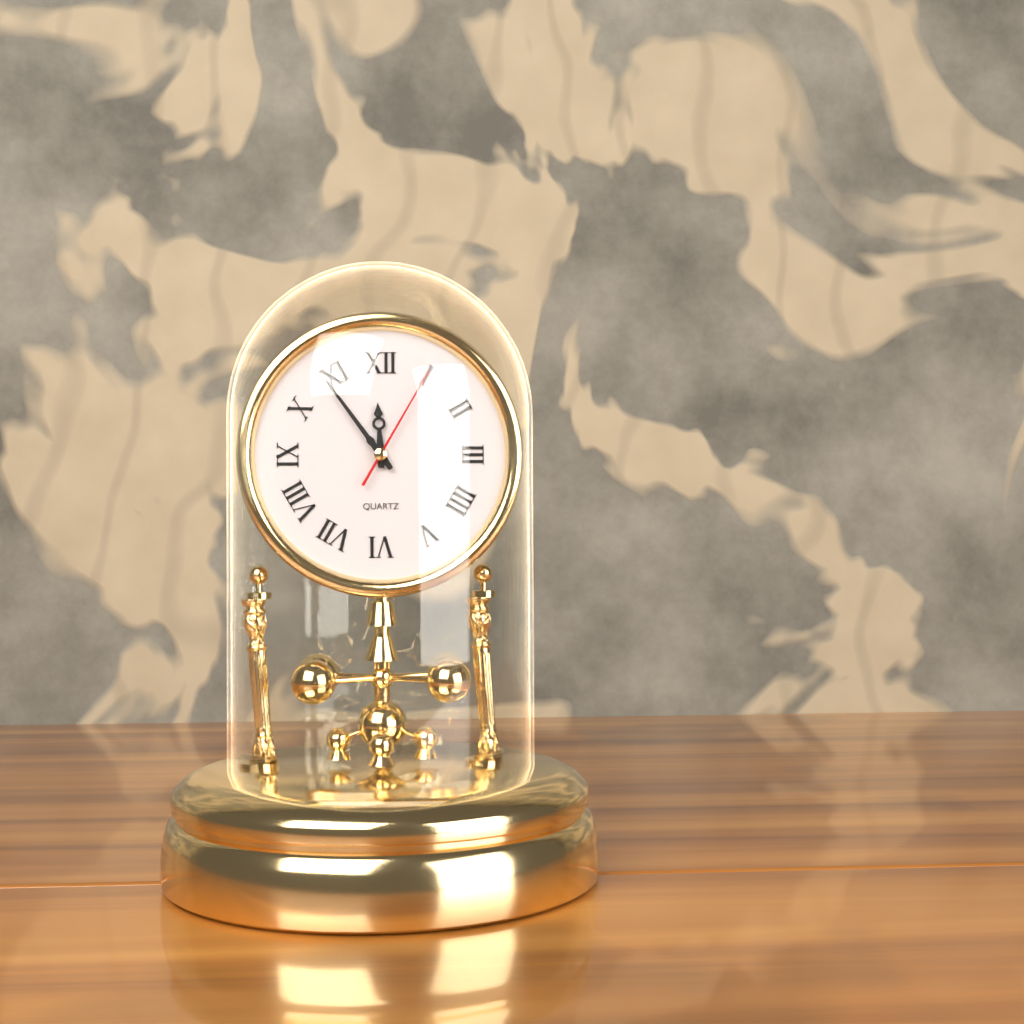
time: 11:54:05
